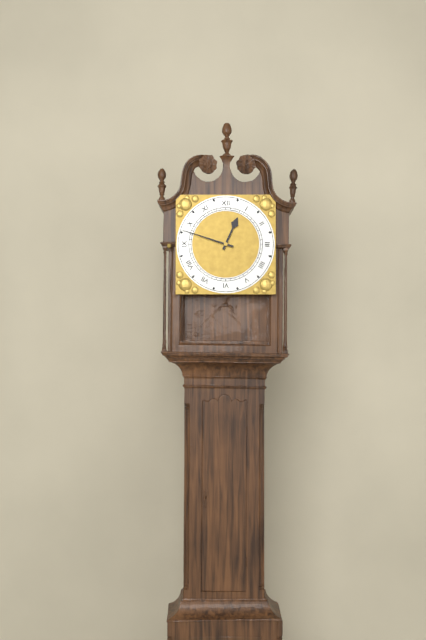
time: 12:48
